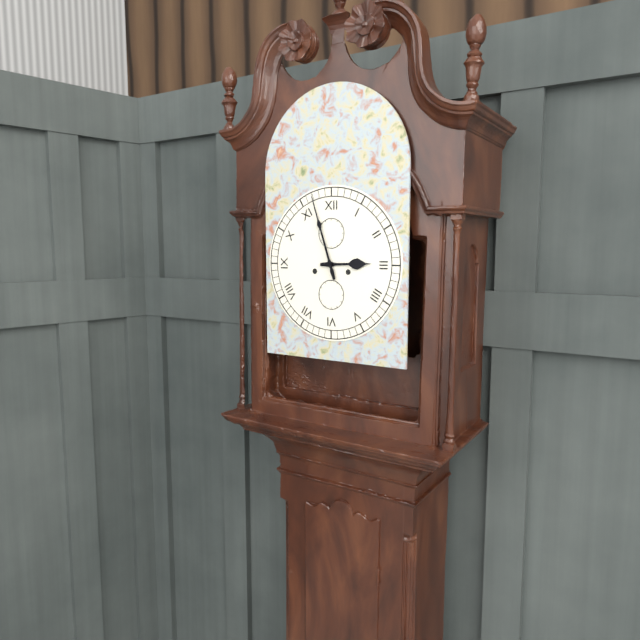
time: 2:57
